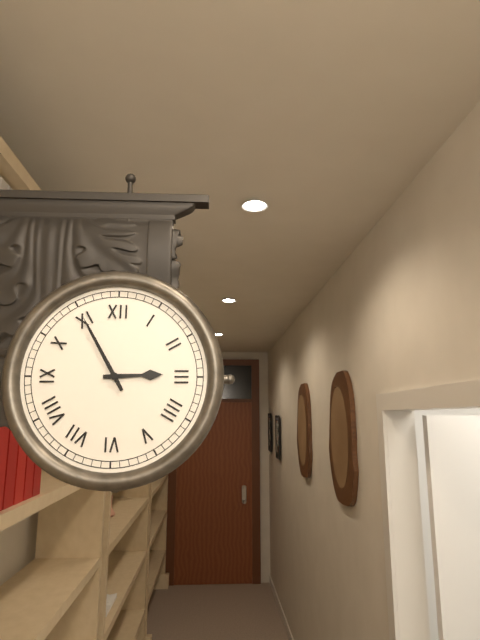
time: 2:55
